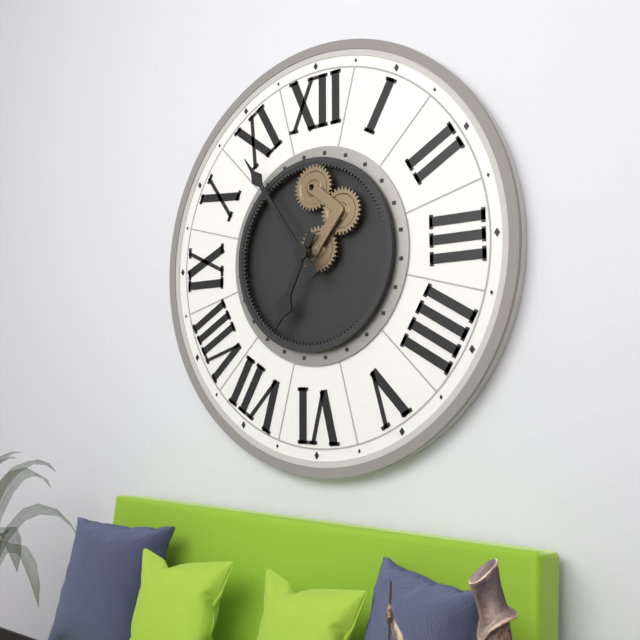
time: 6:54
